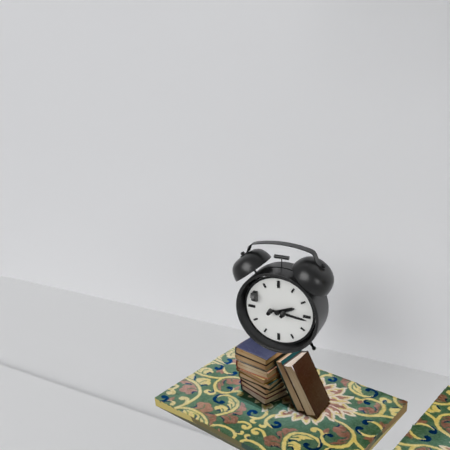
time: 2:16
